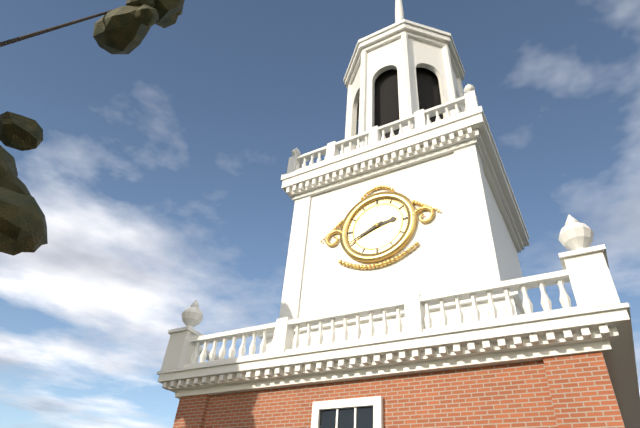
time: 2:41
